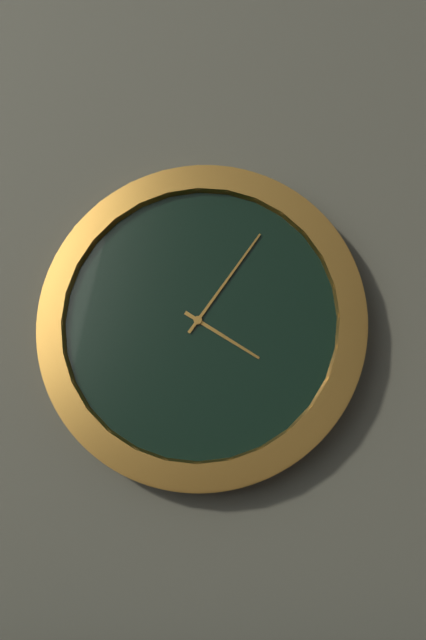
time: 4:06
